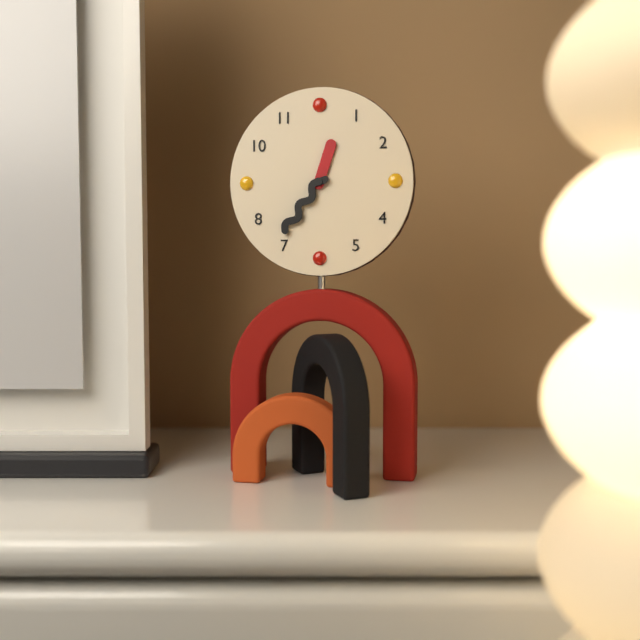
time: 12:36
